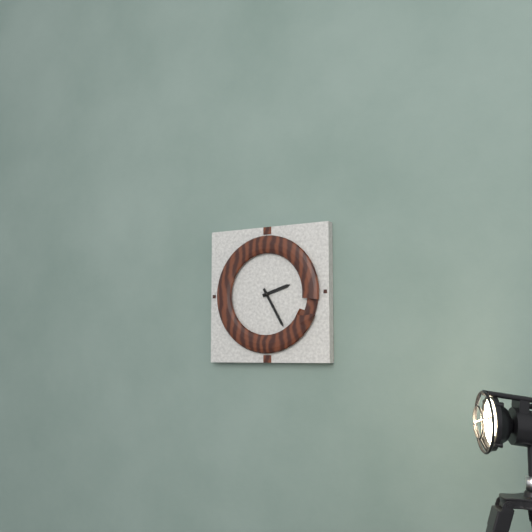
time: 2:25
